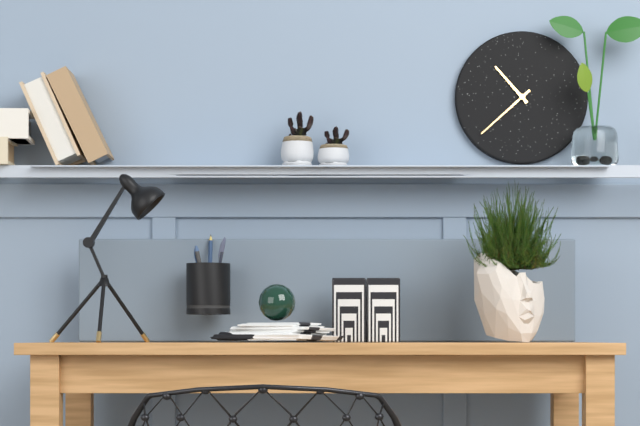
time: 10:38
